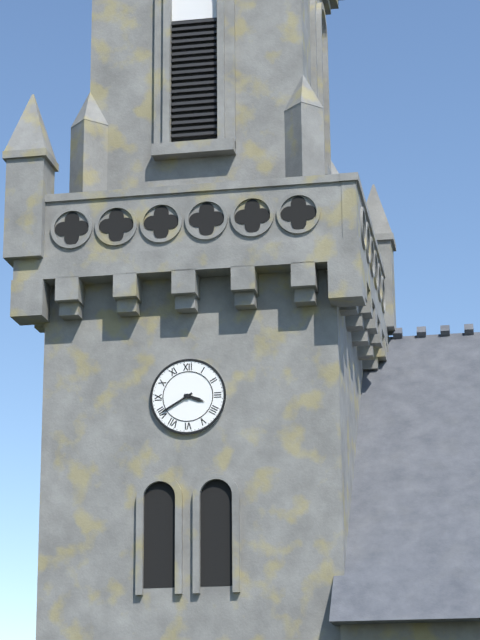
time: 3:40
